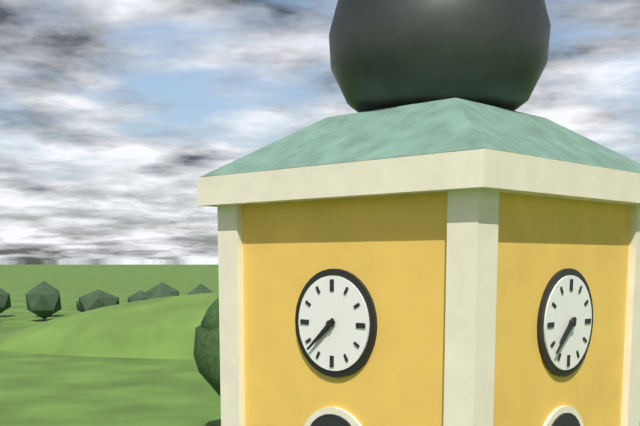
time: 7:38
